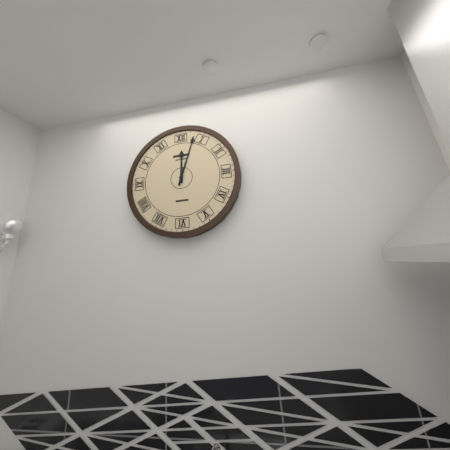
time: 12:03
